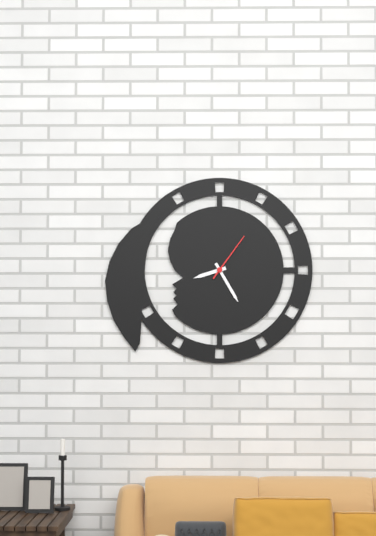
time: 8:25:06
